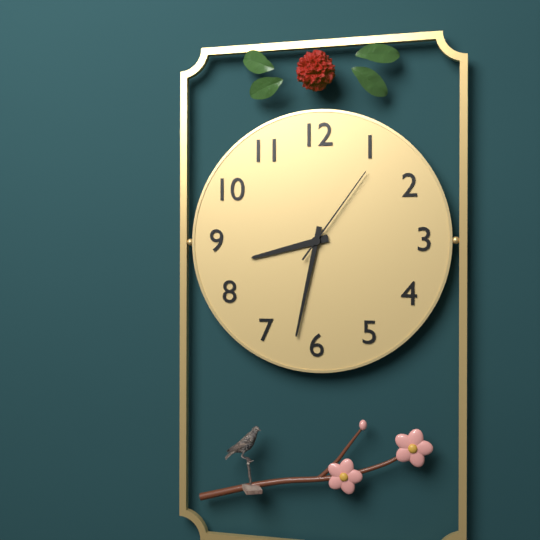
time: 8:32:06
